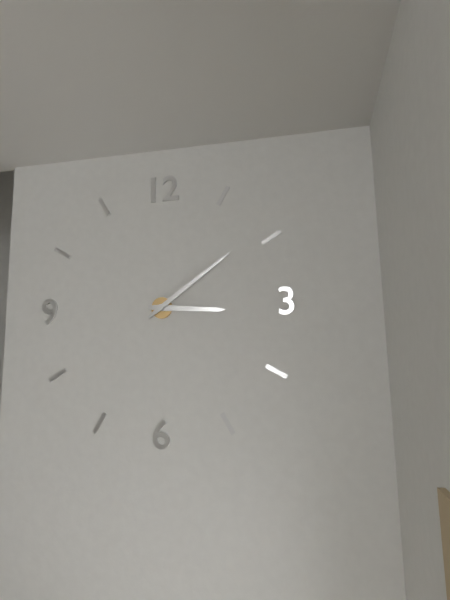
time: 3:09
